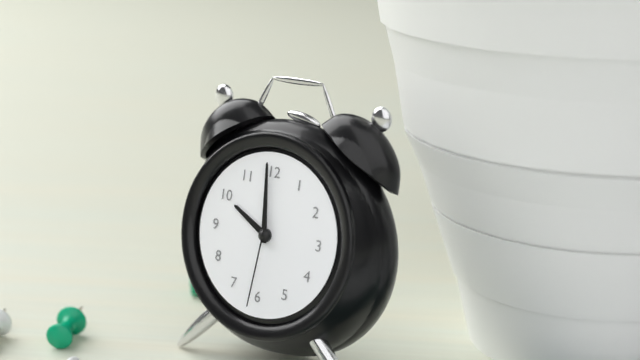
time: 9:59:31
